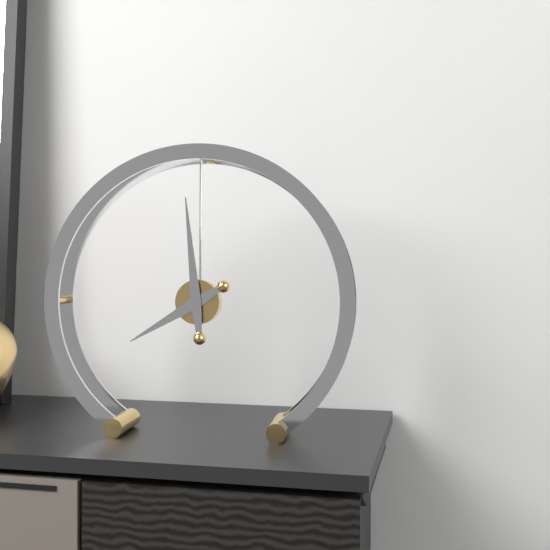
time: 7:59
